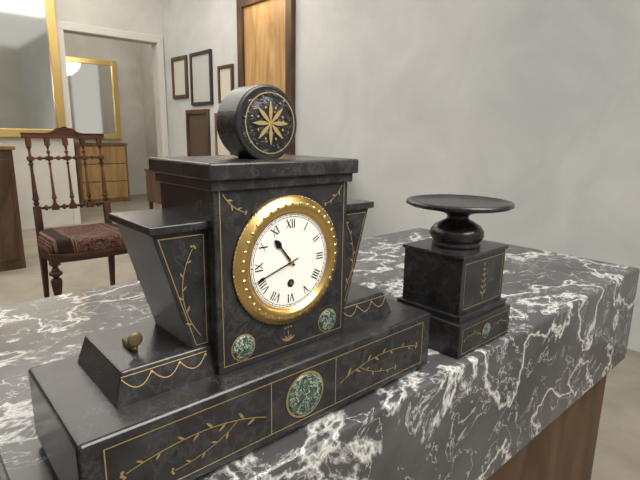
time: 10:42
